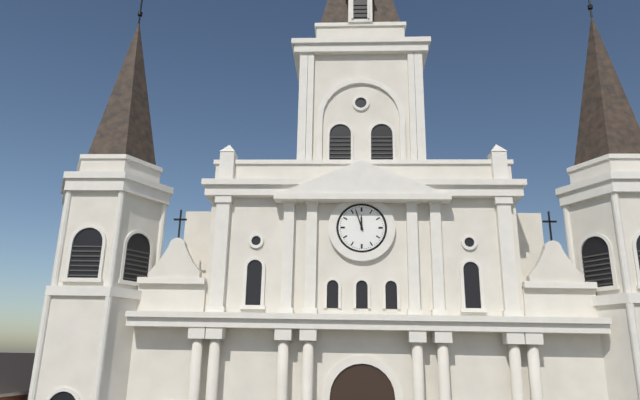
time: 11:57
